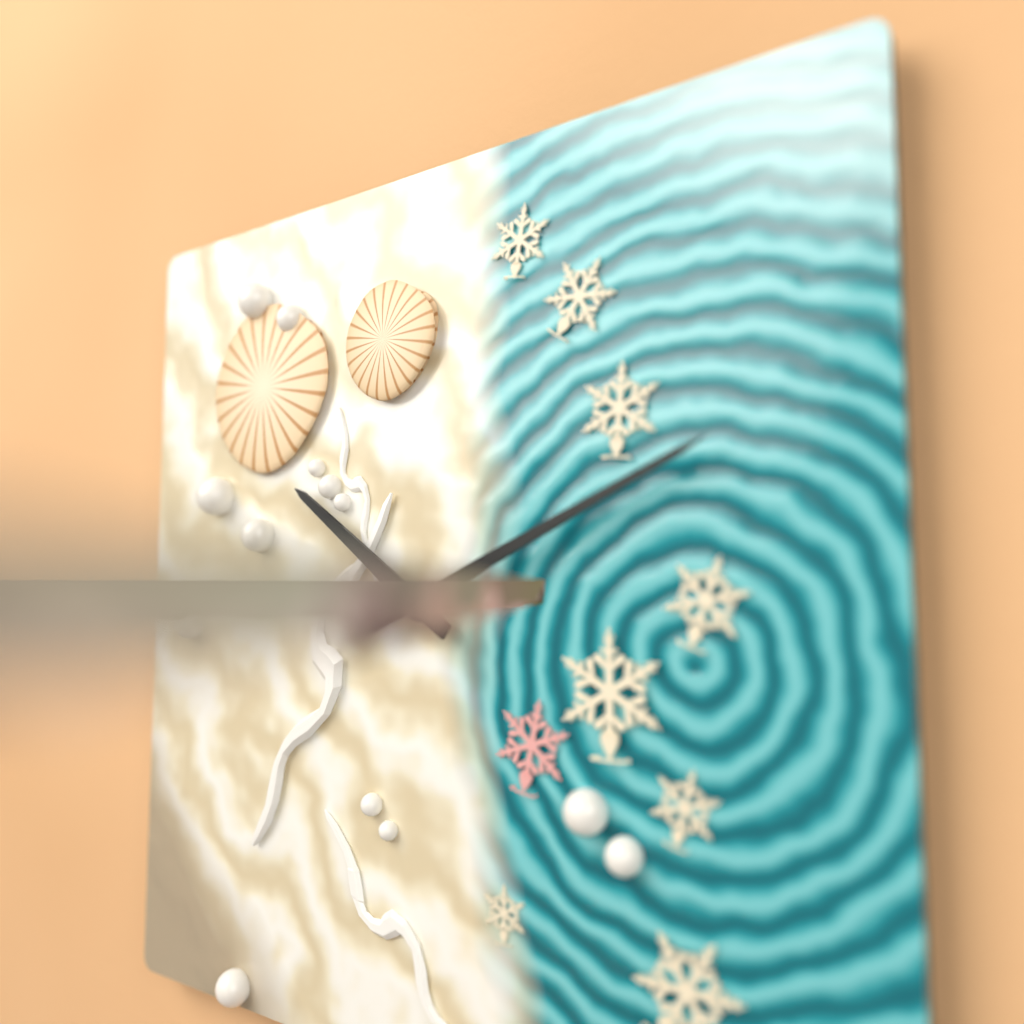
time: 10:11
